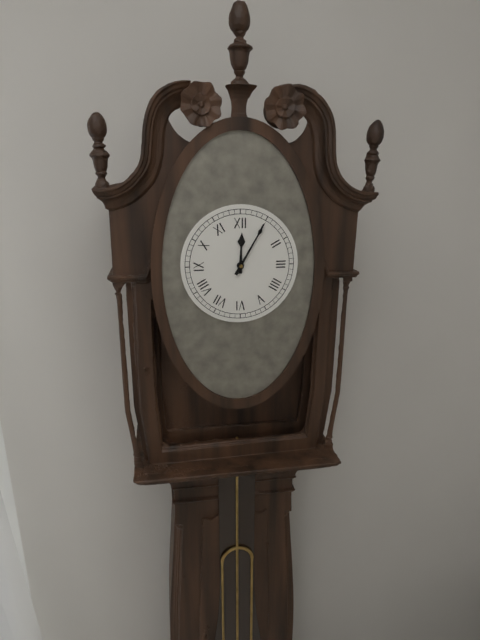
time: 12:05
